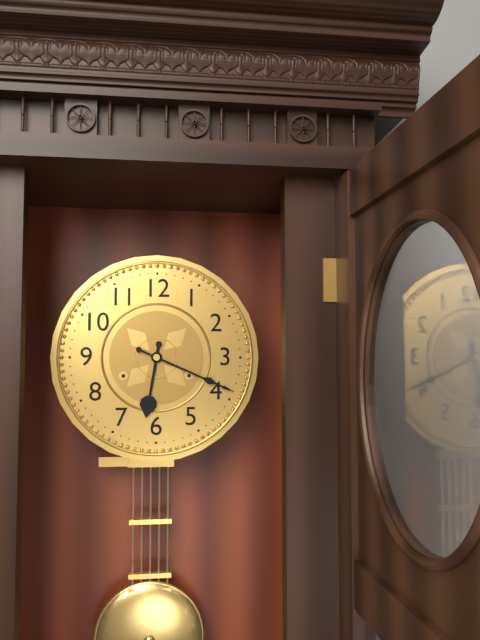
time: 6:19
